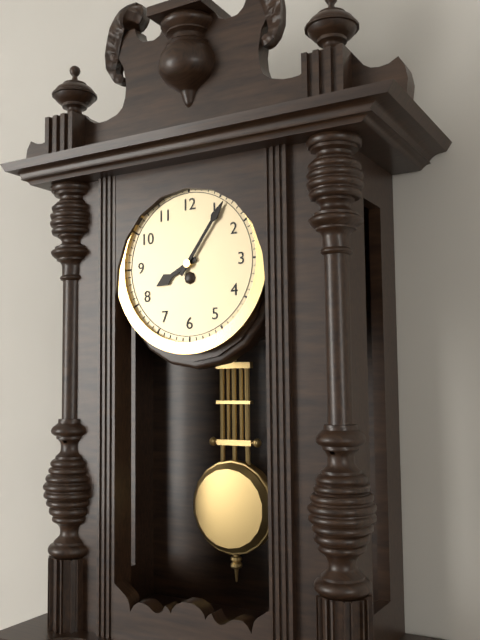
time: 8:06
